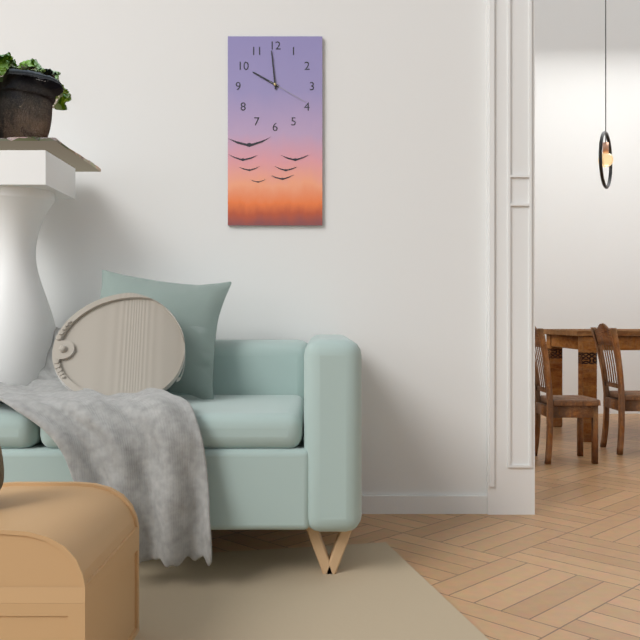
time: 9:59
